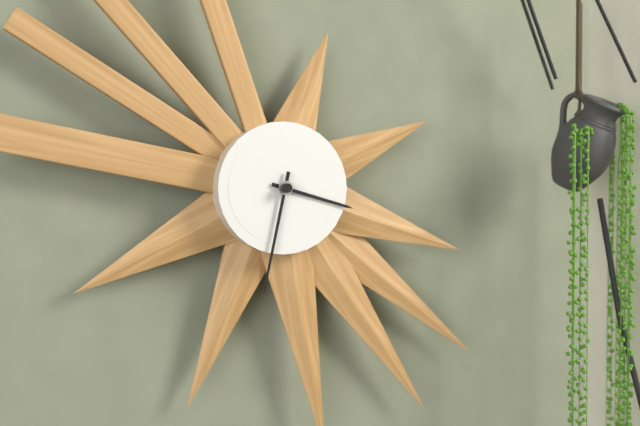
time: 3:32
